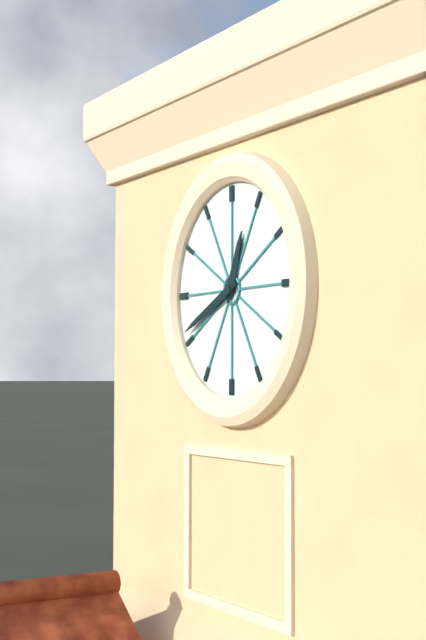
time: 12:41
